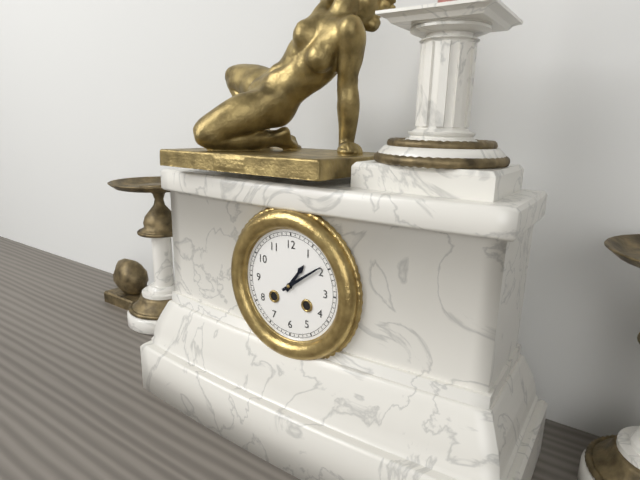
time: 1:09
